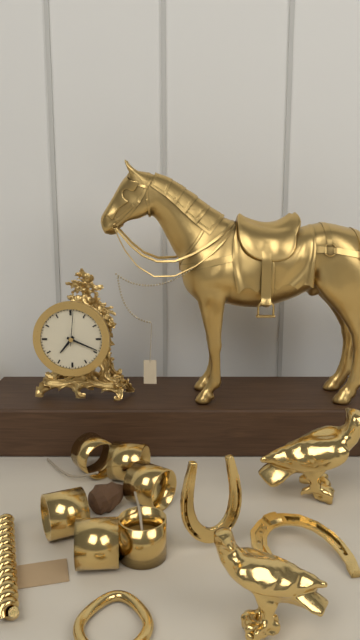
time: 7:19
